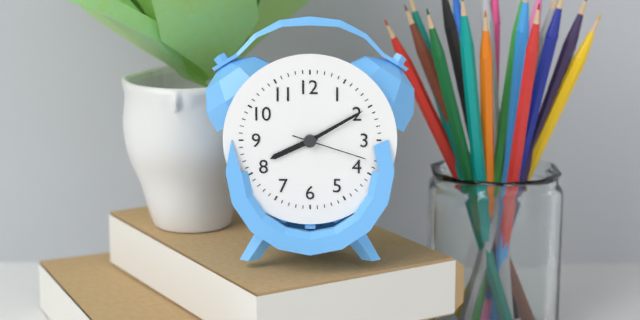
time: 8:10:18
